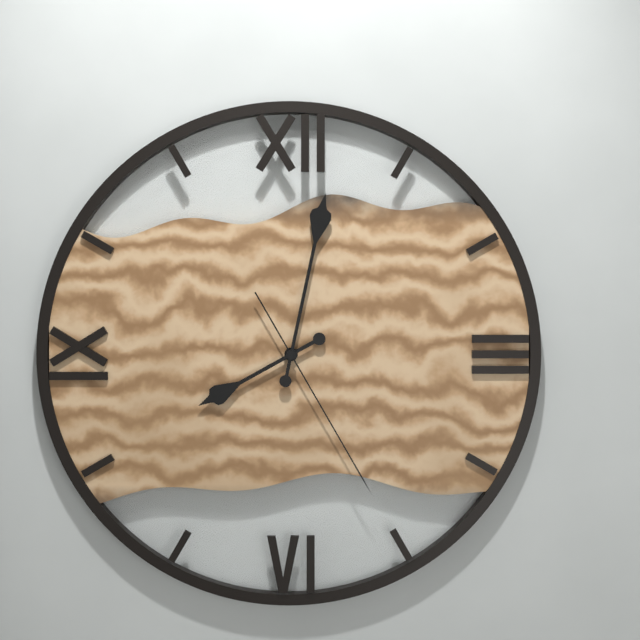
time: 8:02:25
